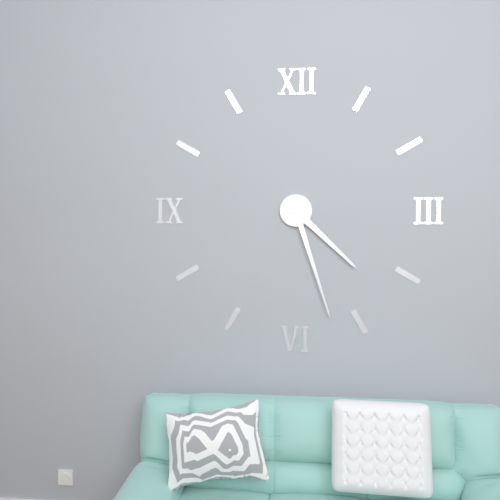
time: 4:27
